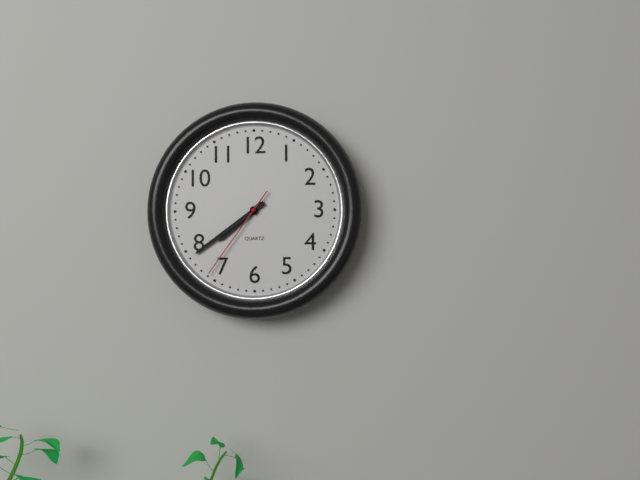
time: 7:39:36
